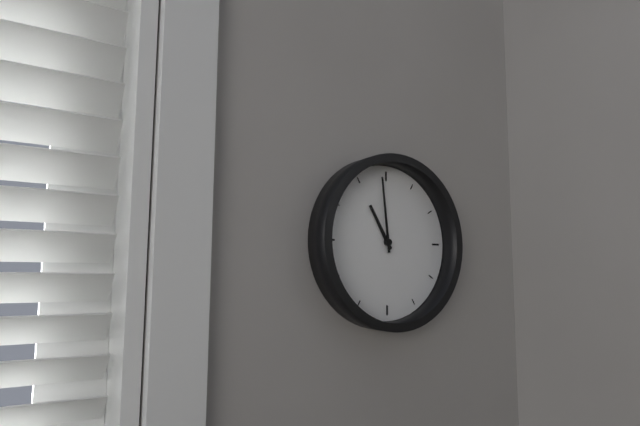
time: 10:59
